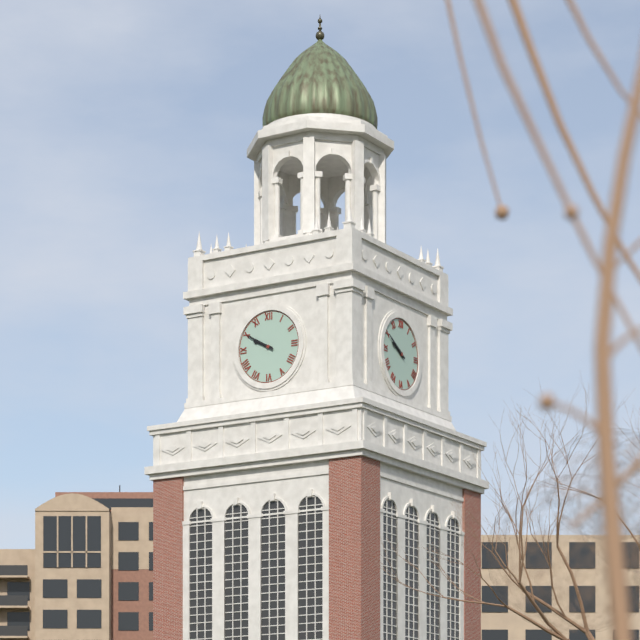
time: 9:50
